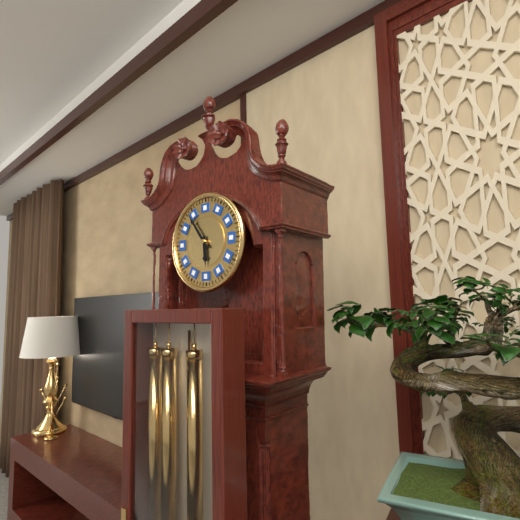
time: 5:54
